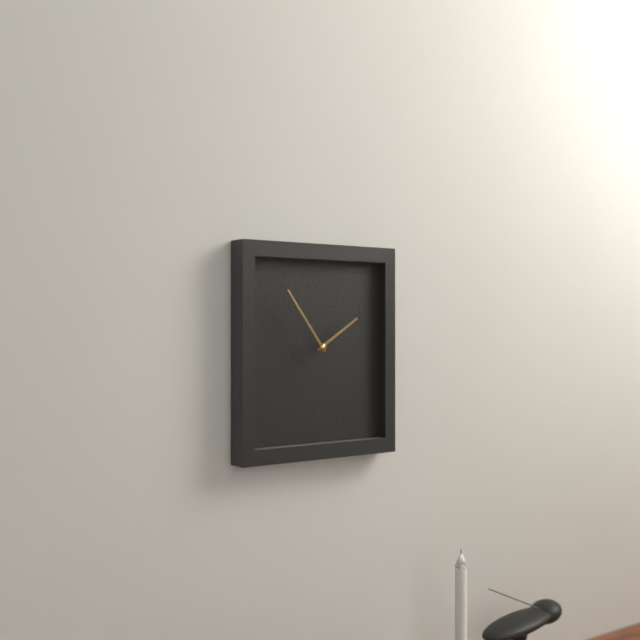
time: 1:54
